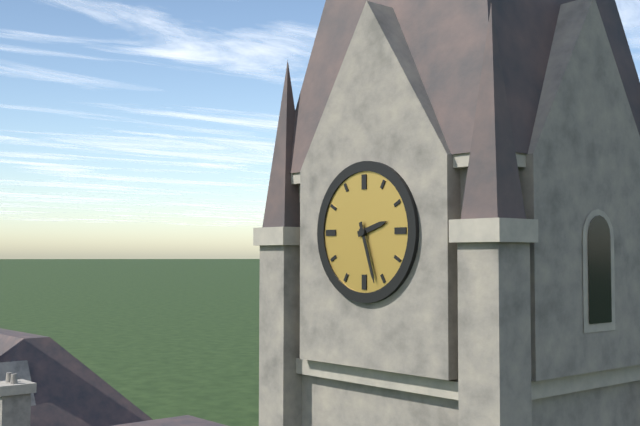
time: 2:27
